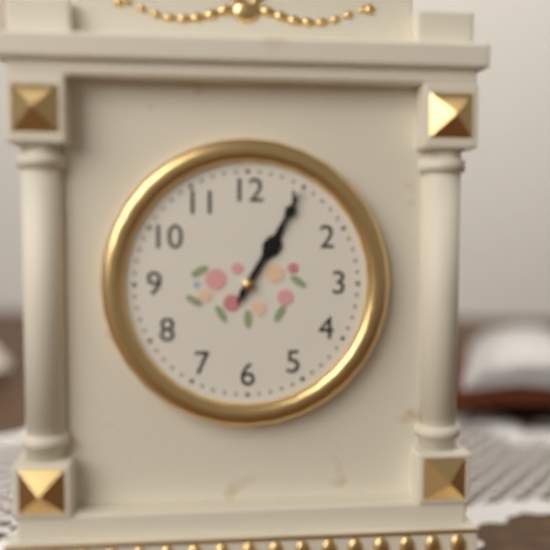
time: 1:05
